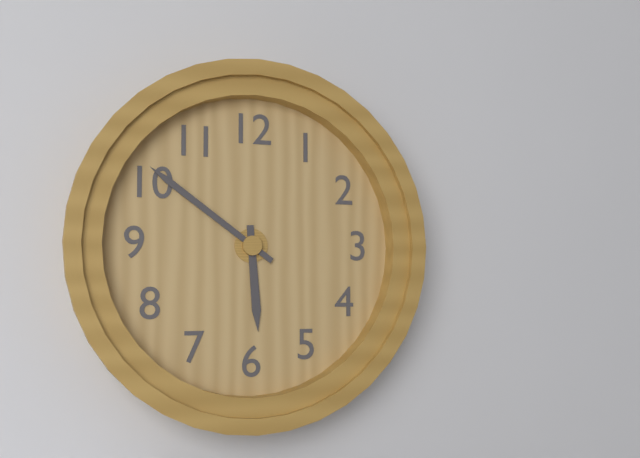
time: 5:51
